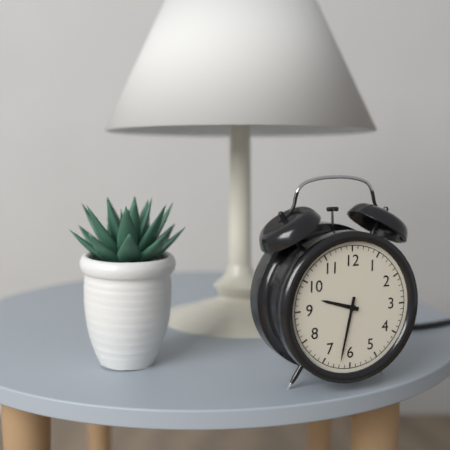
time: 9:32
